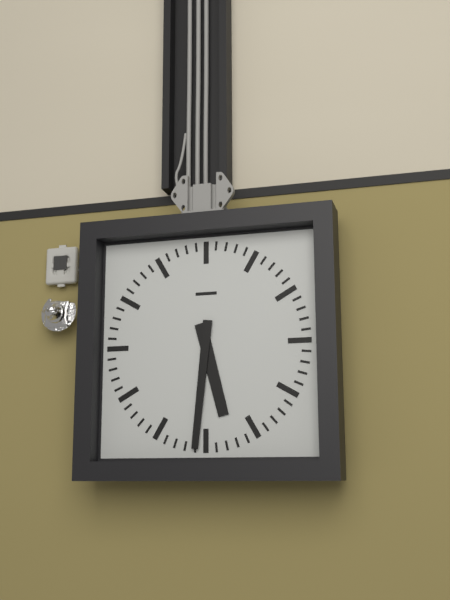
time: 5:31
